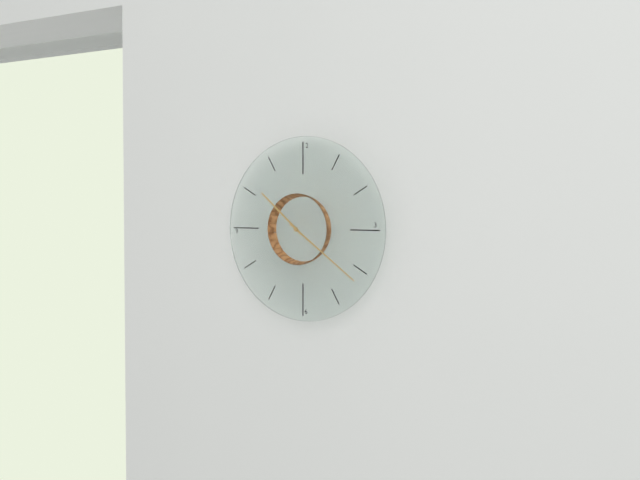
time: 10:21
